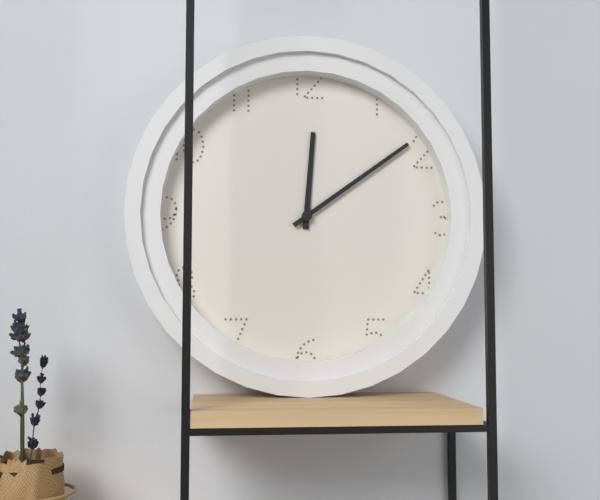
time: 12:09
